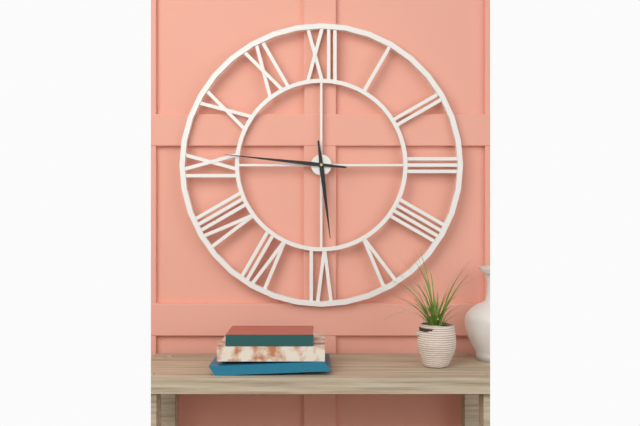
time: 5:46
